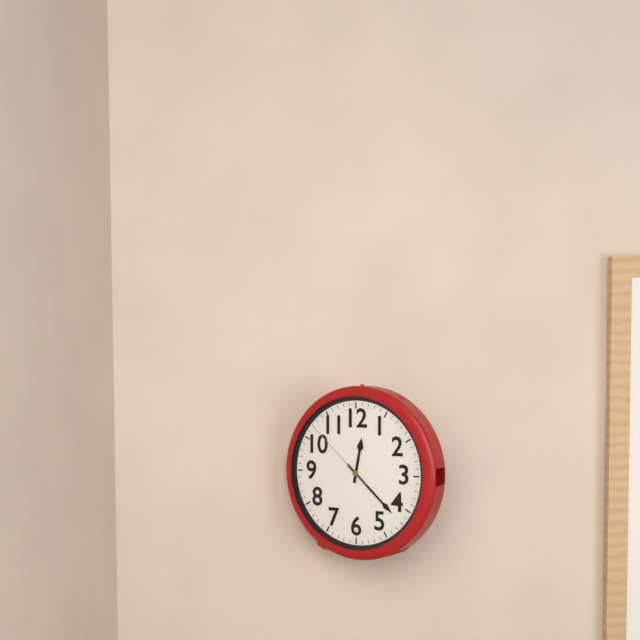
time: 12:22:52
